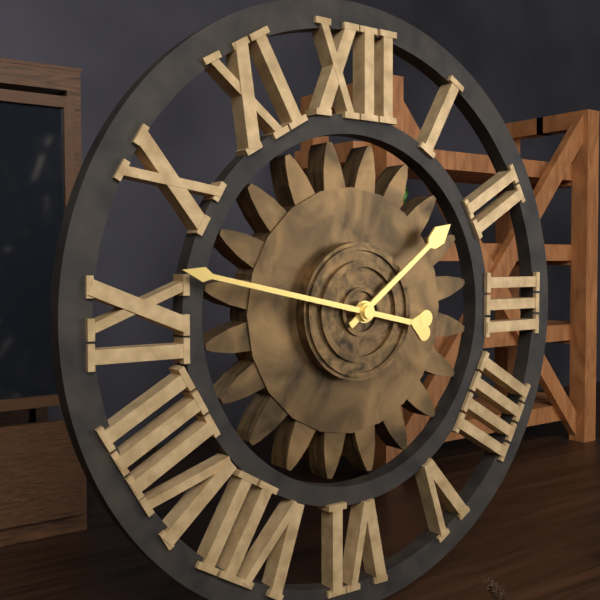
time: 1:47
